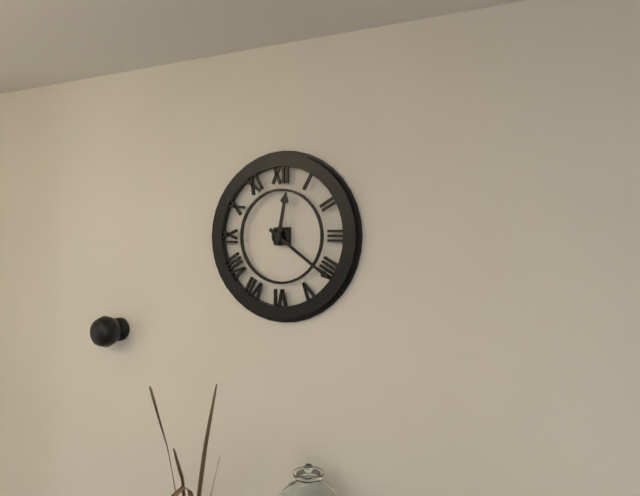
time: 12:21
